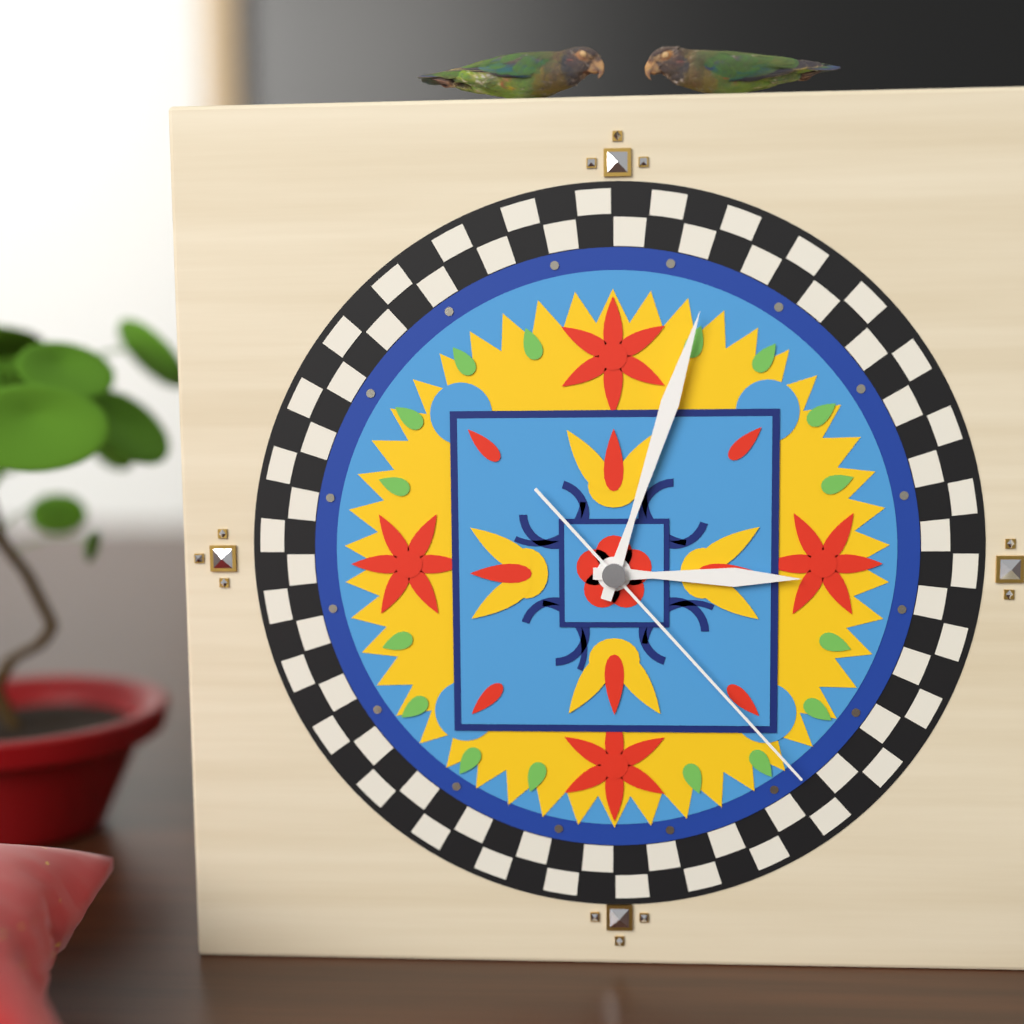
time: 3:03:23
